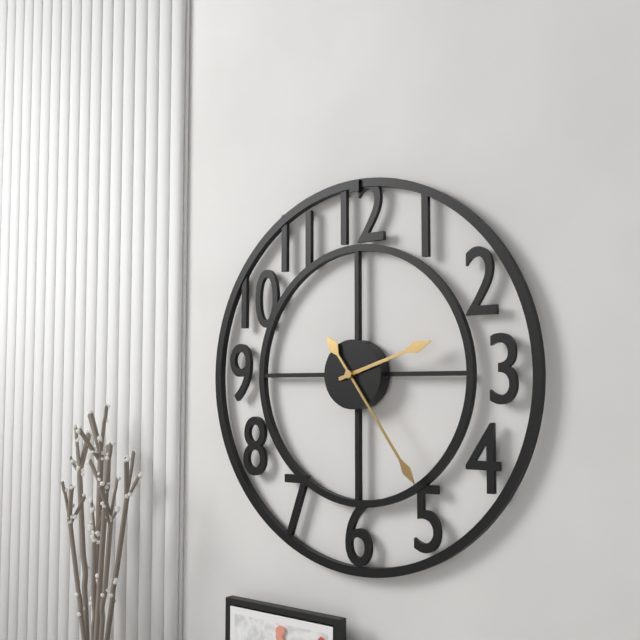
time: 2:24
